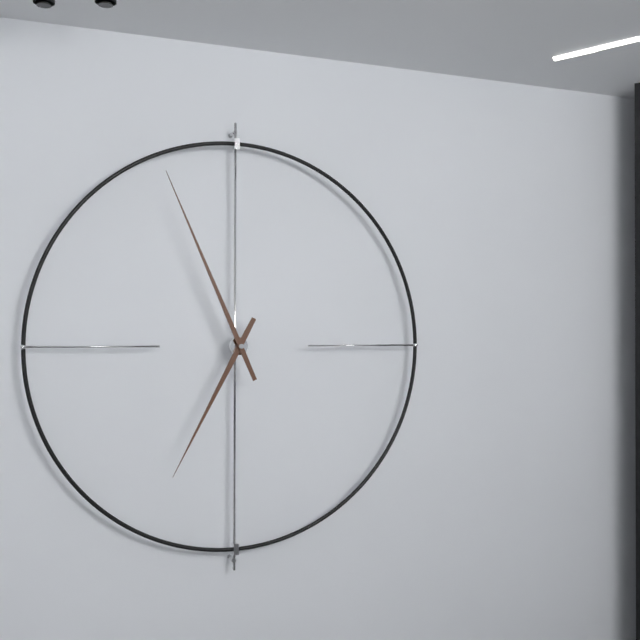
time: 6:56
